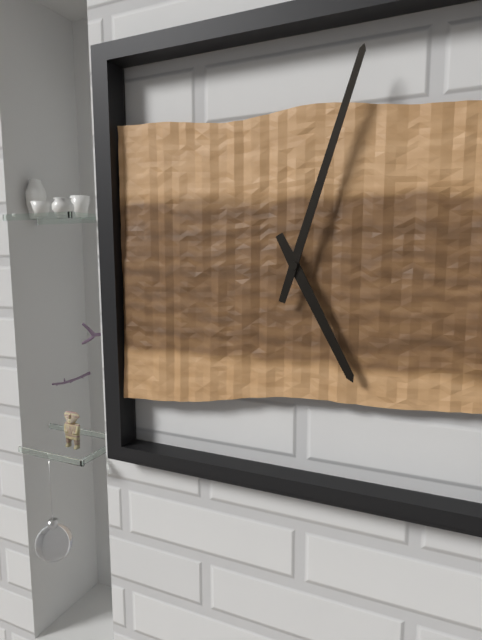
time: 5:03
